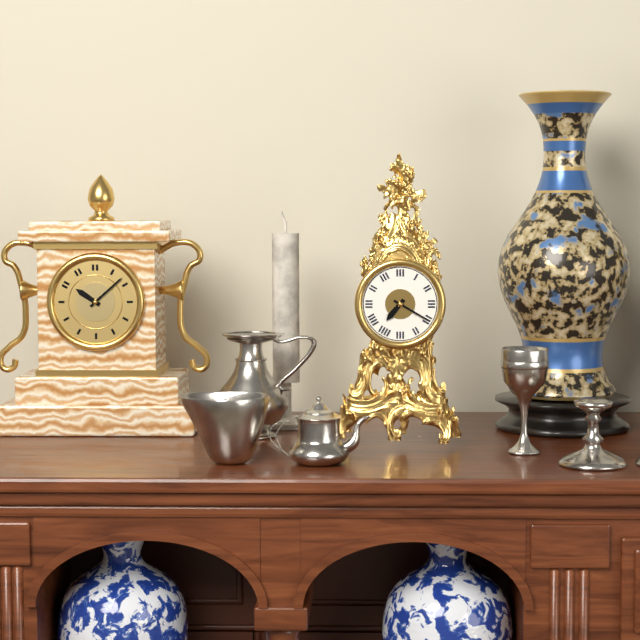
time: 7:20
